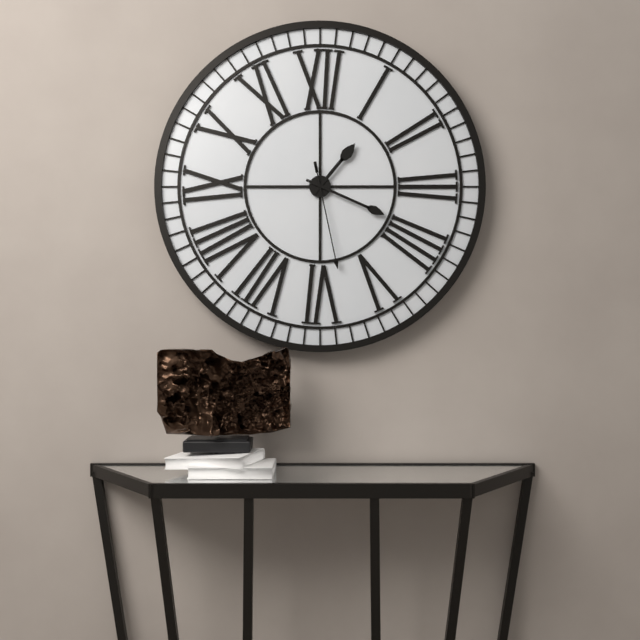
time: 1:19:28
